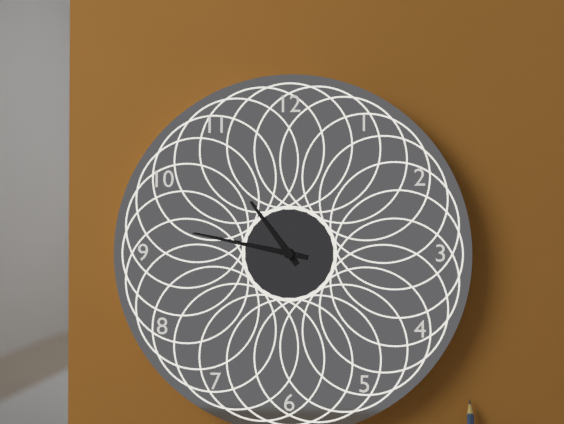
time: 10:47
